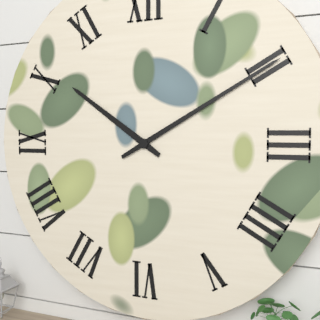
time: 10:10
